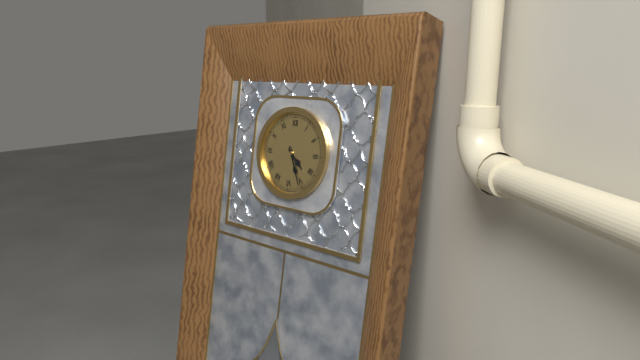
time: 4:26
